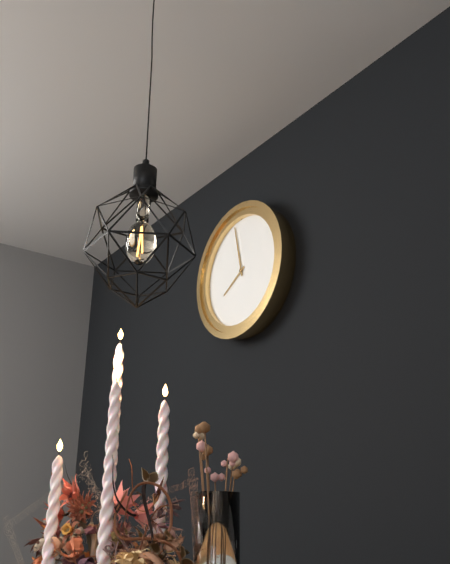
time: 7:58
